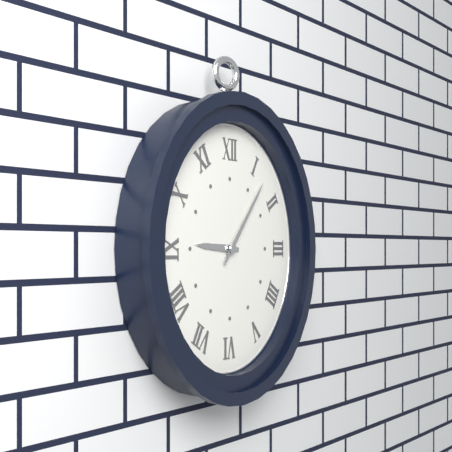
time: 9:07
